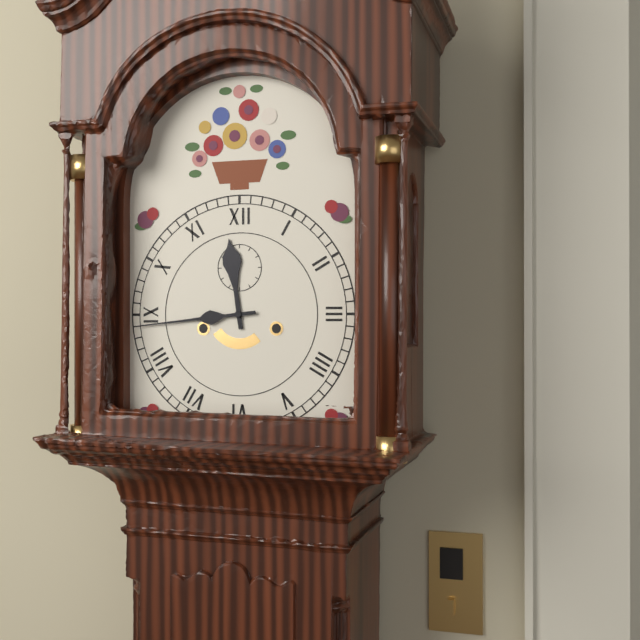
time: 11:44
